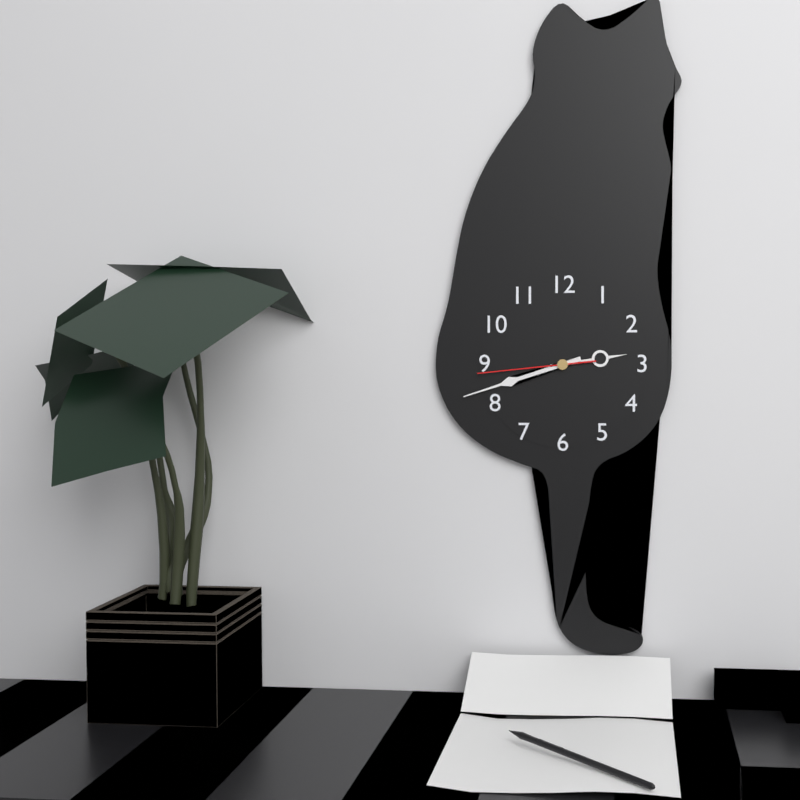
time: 2:42:44
